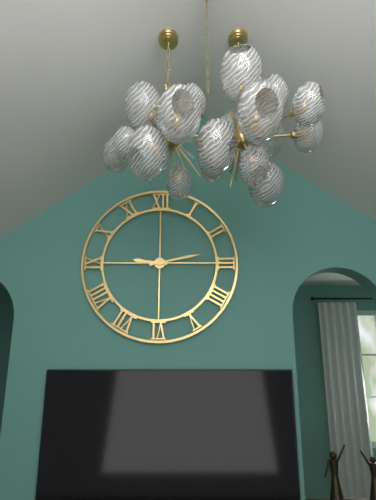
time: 9:13
